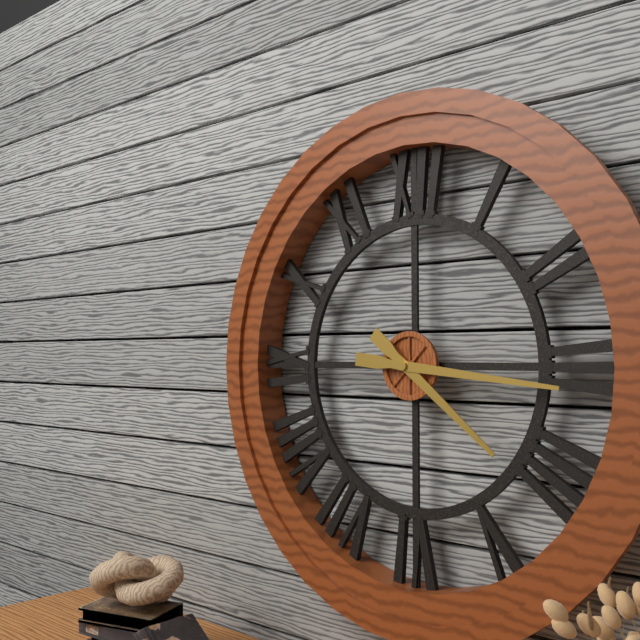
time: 4:16
